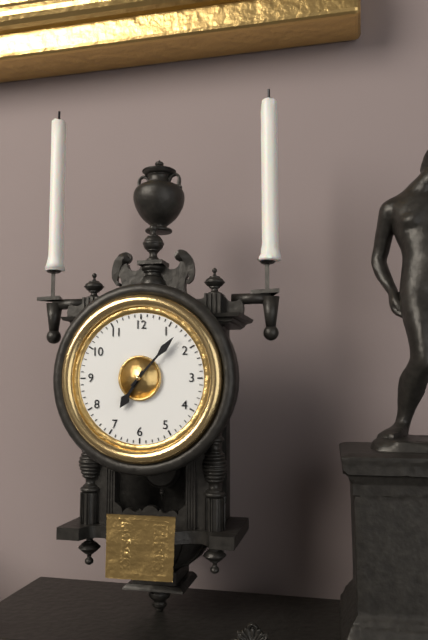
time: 7:07
